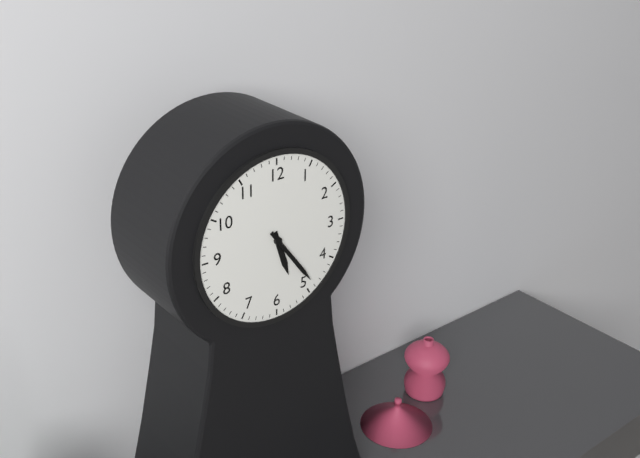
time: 5:24
